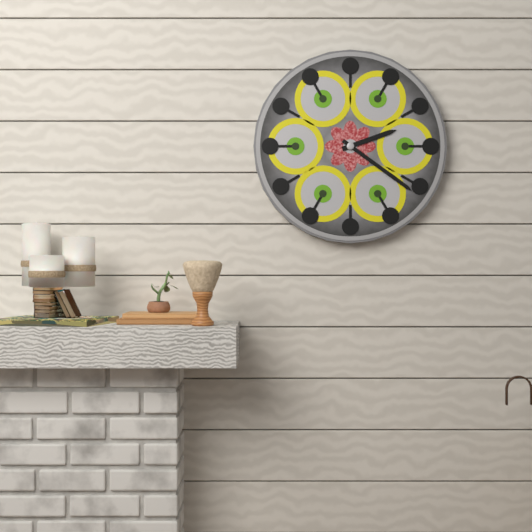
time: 2:21
